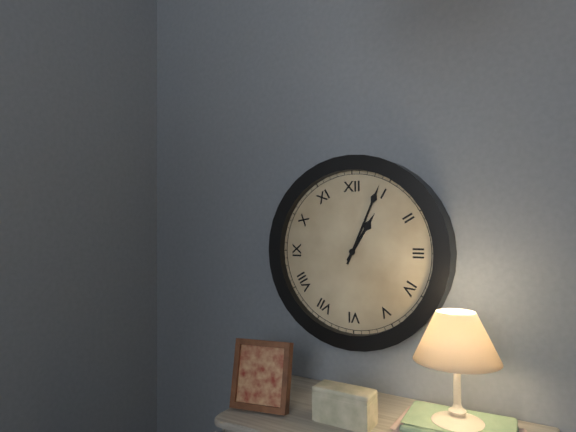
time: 1:04
